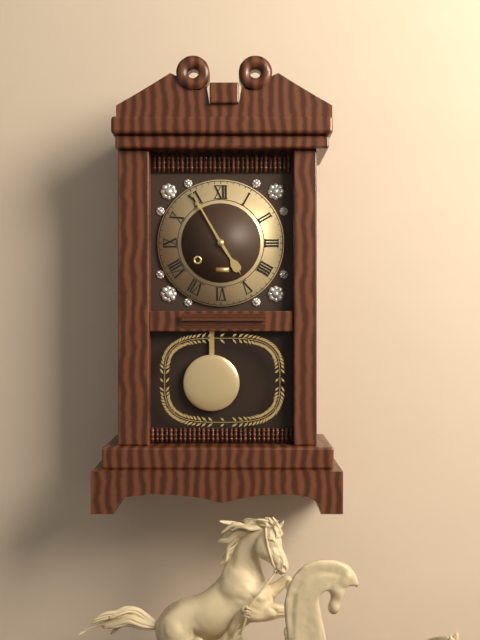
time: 4:55
